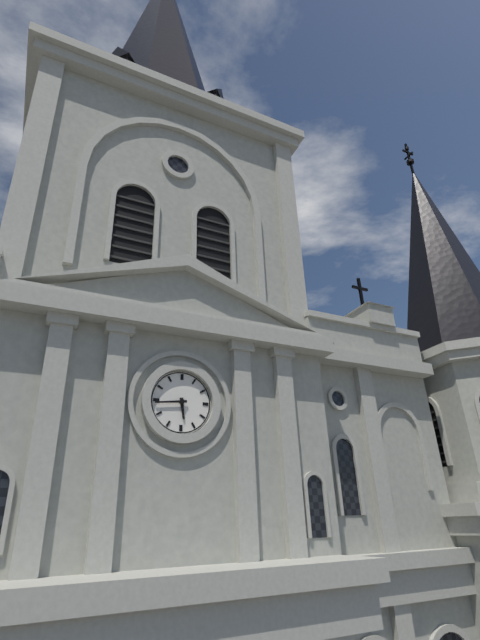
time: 5:44
